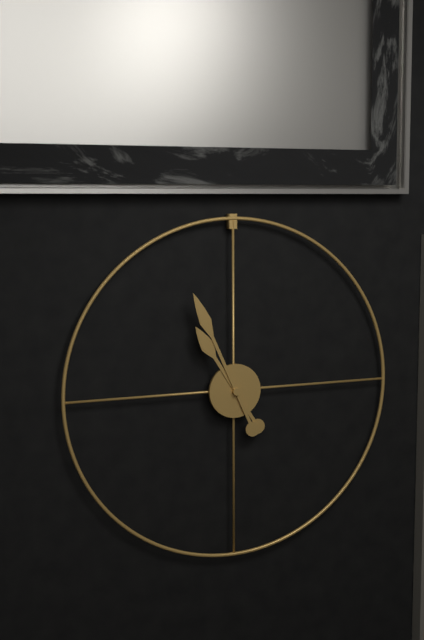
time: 10:56
